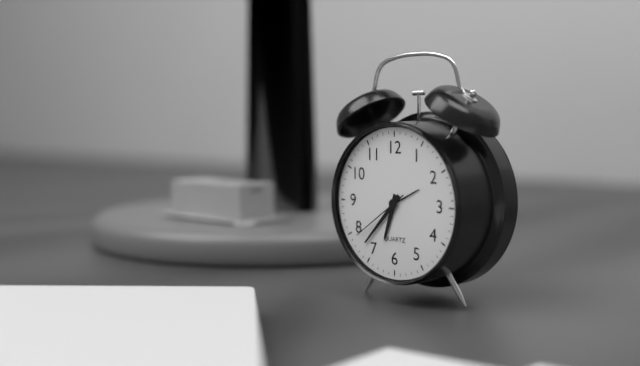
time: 6:37:39
